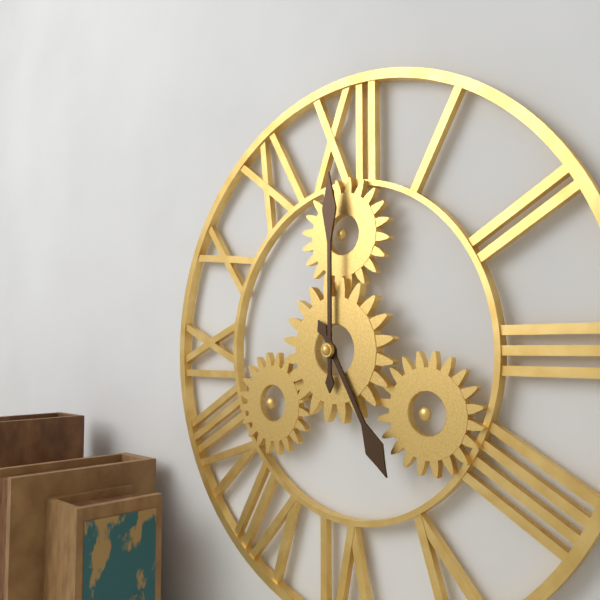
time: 5:00
